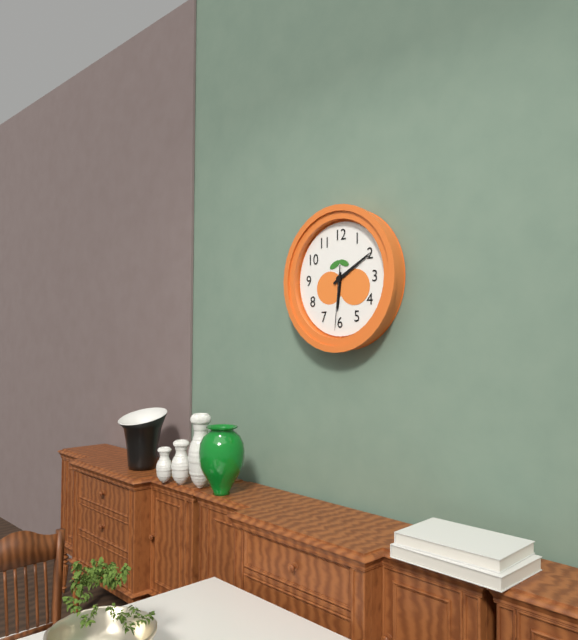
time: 6:10:31
